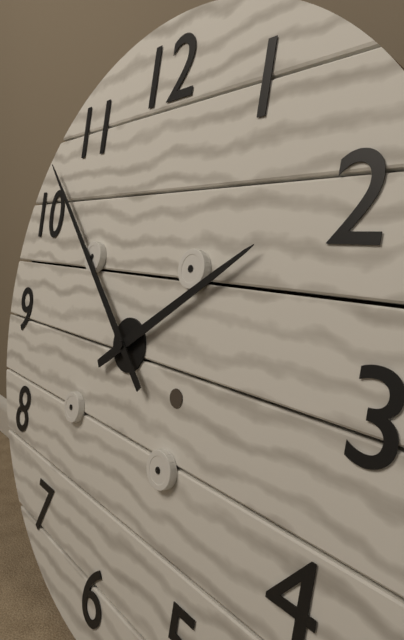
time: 1:52
